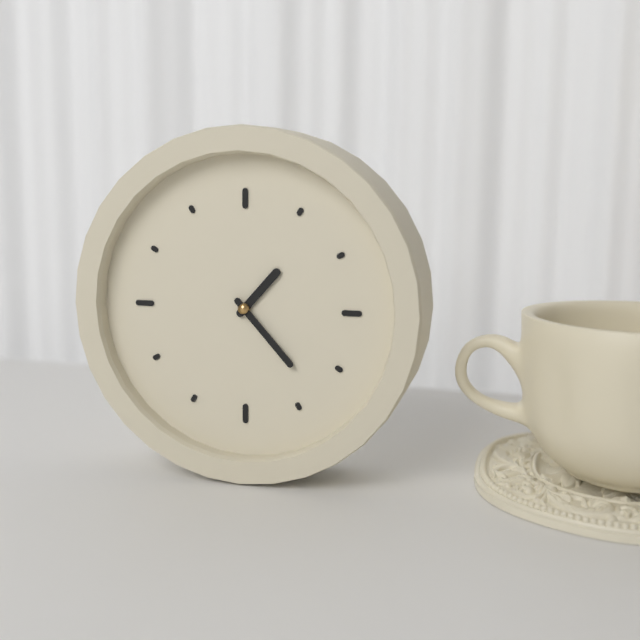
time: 1:23
